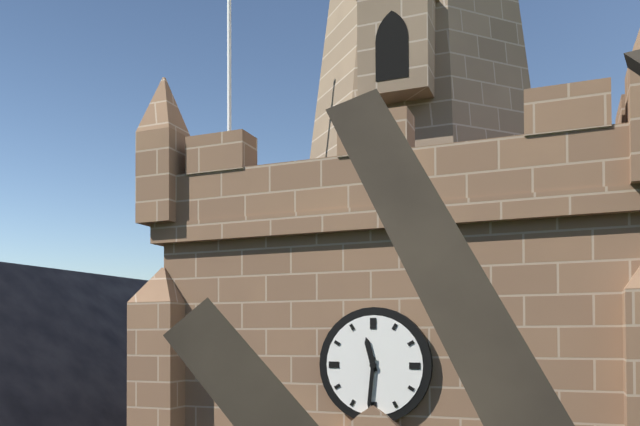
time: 11:31
